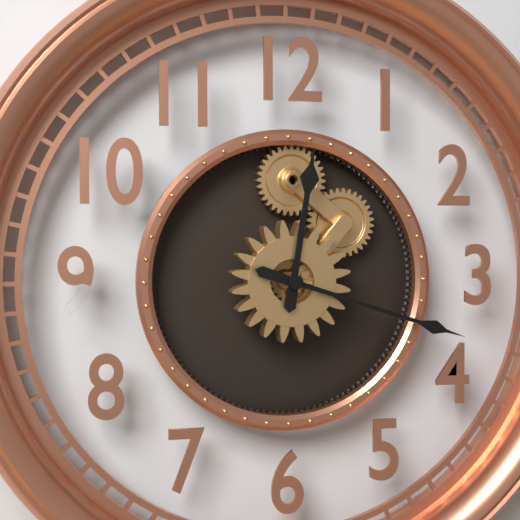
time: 12:18
